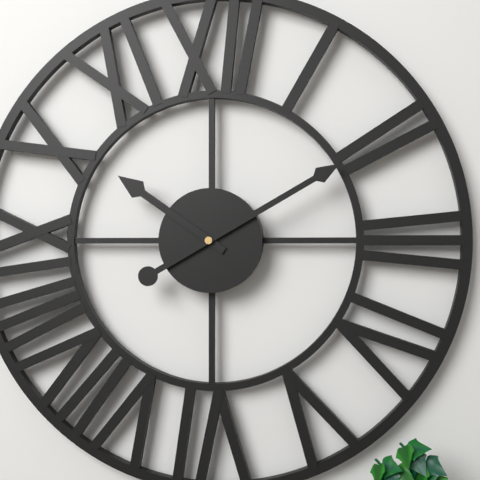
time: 10:10
